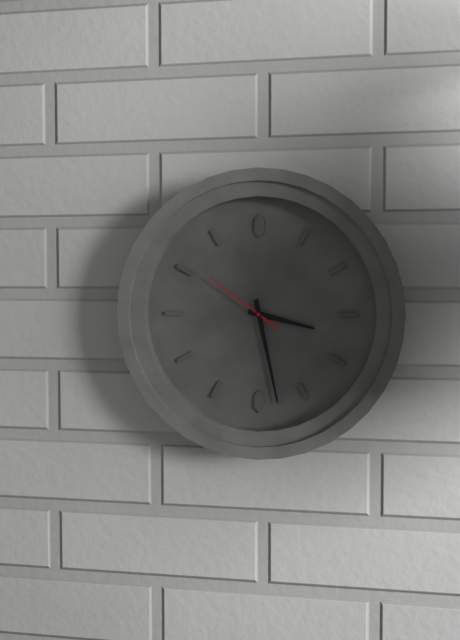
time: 3:28:51
